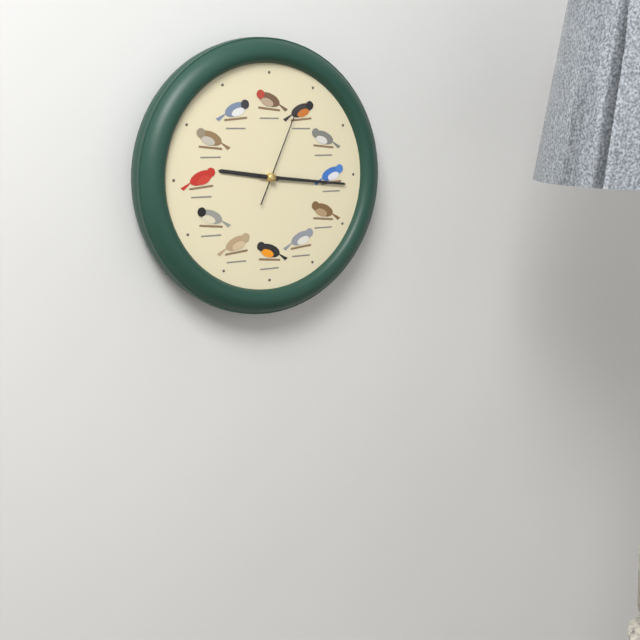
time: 9:16:04
